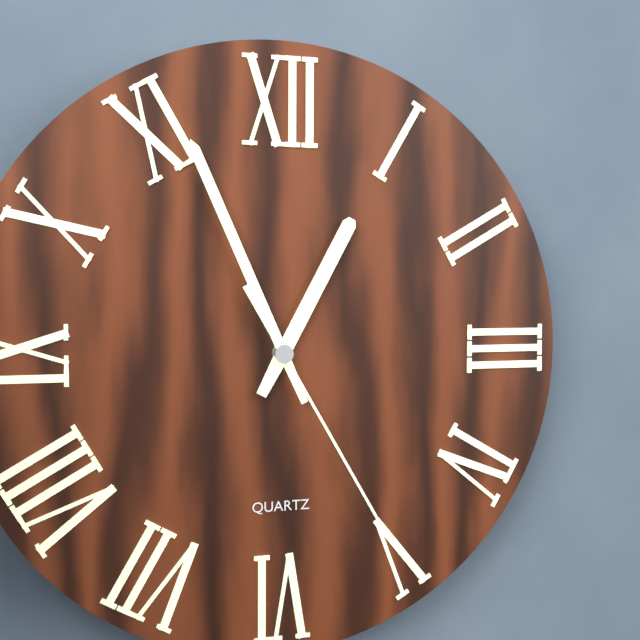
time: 12:56:25
